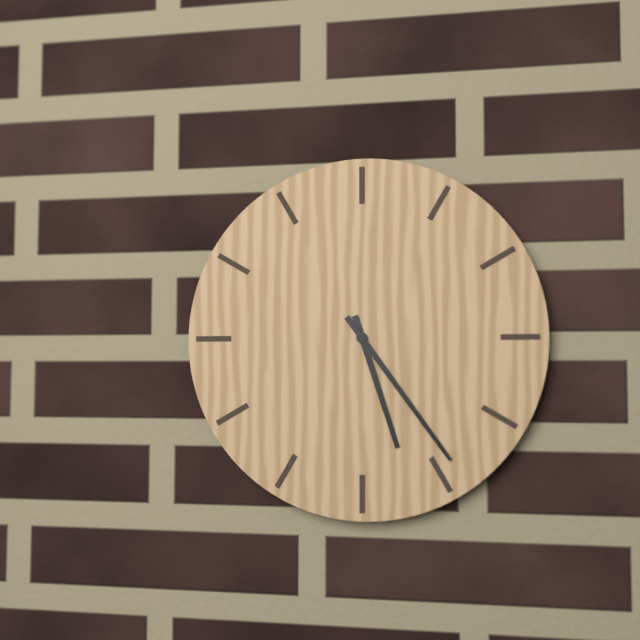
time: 5:24
